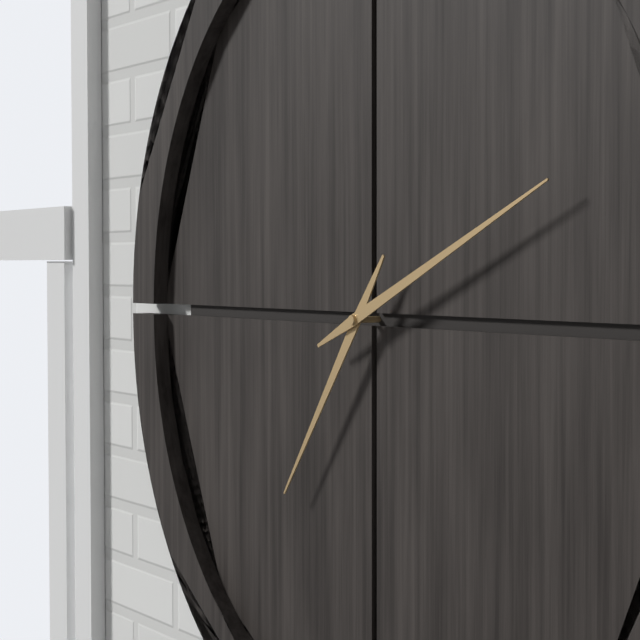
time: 7:11
